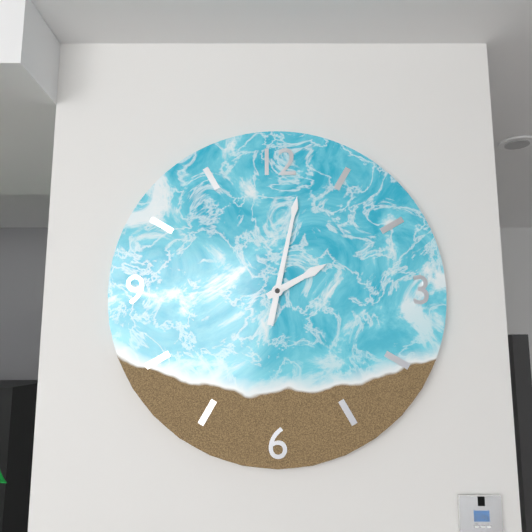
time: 2:02
